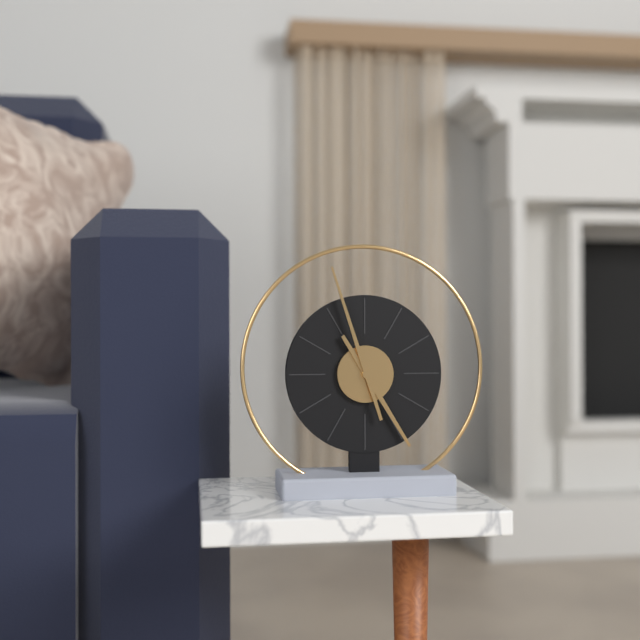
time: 4:57
